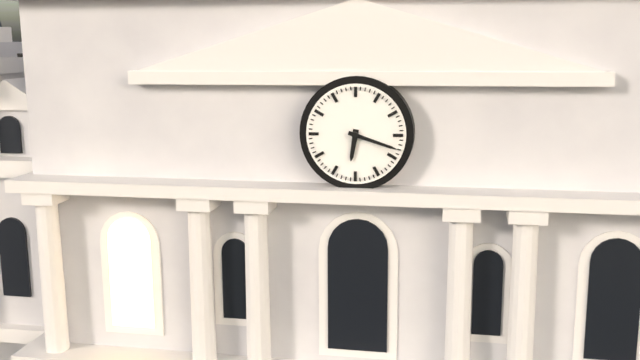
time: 6:18
